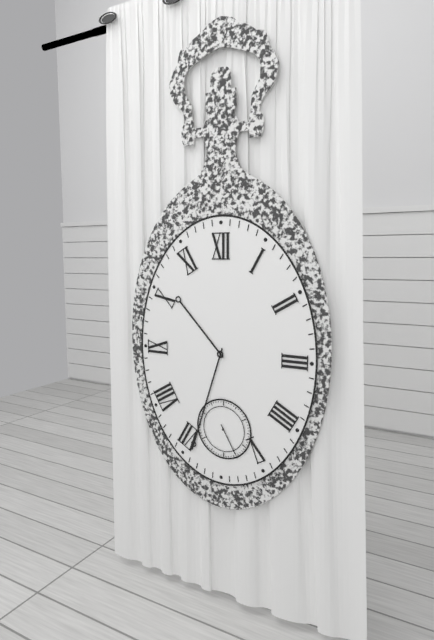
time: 10:33
